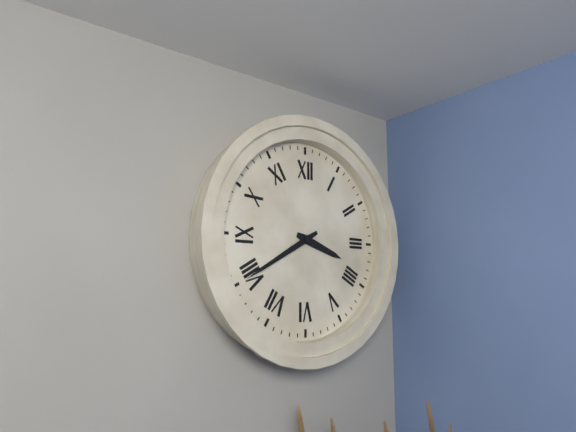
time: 3:40
